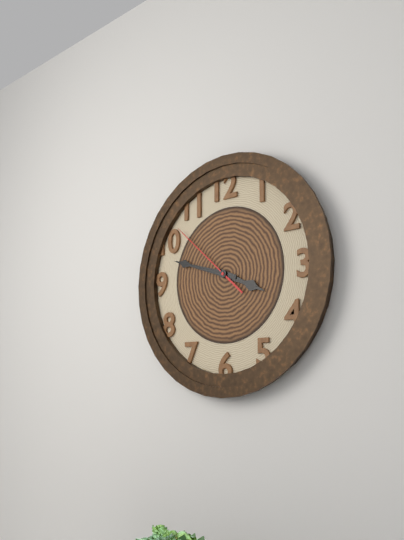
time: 3:48:52
